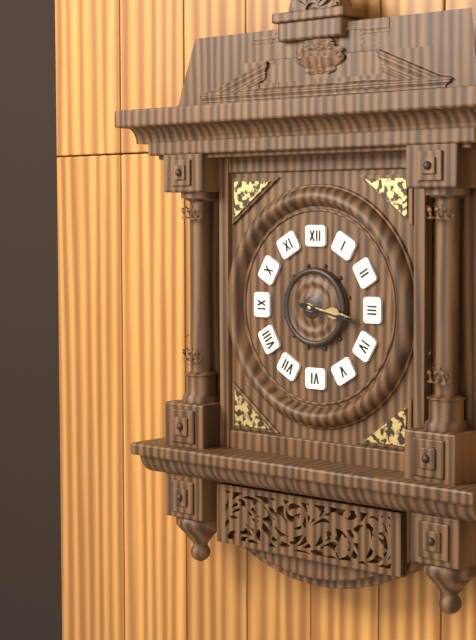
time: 3:17
